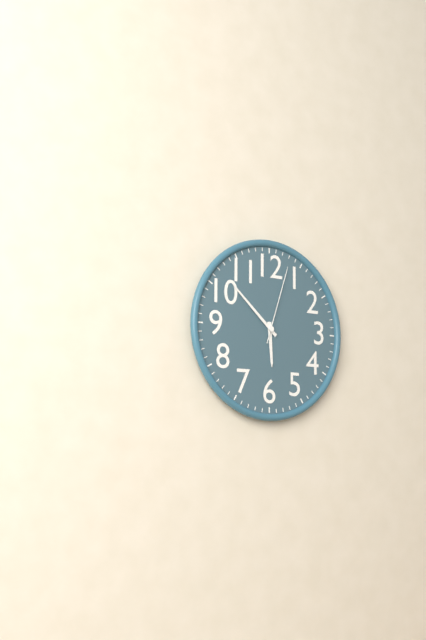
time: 5:52:03
